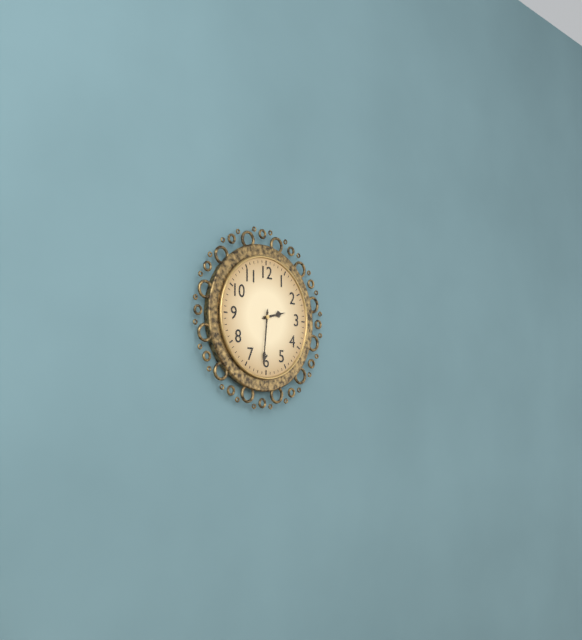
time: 2:31
